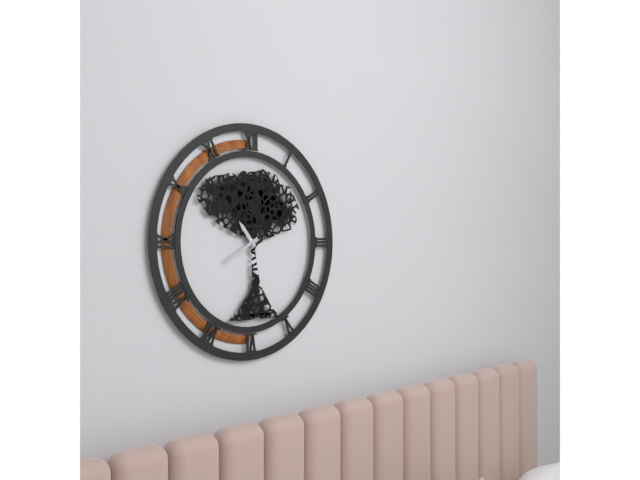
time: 10:40
